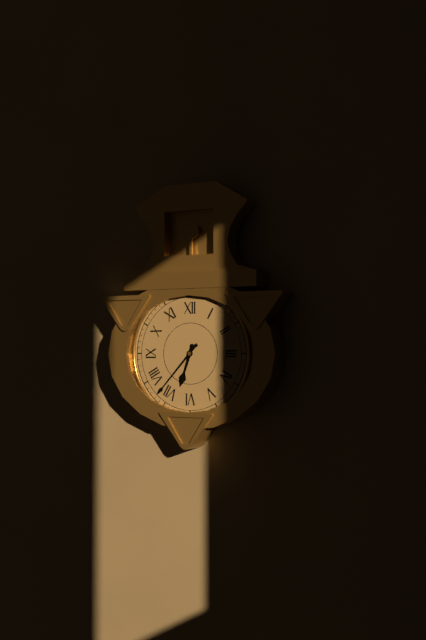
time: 6:37
